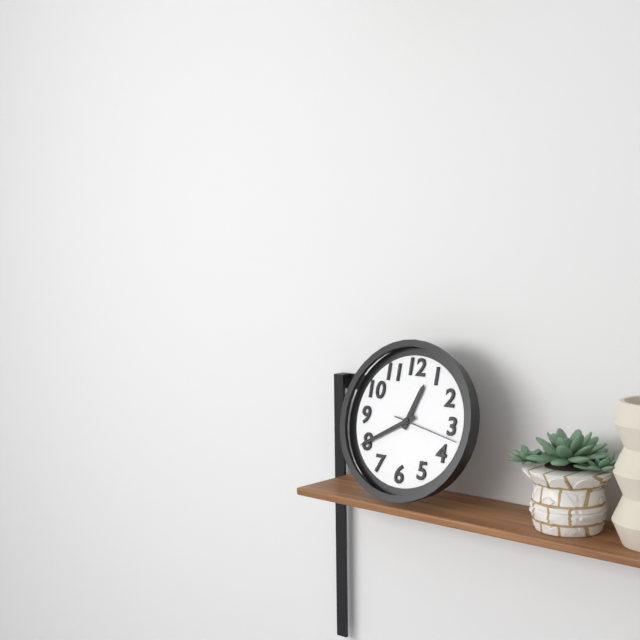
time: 12:40:17
